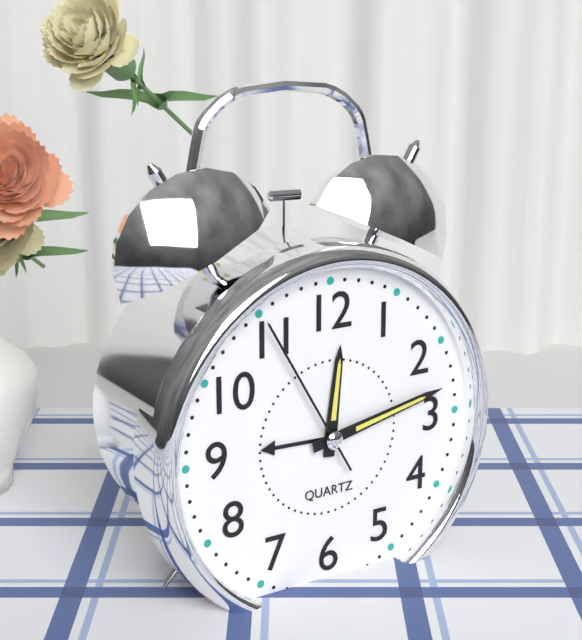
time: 12:13:55
